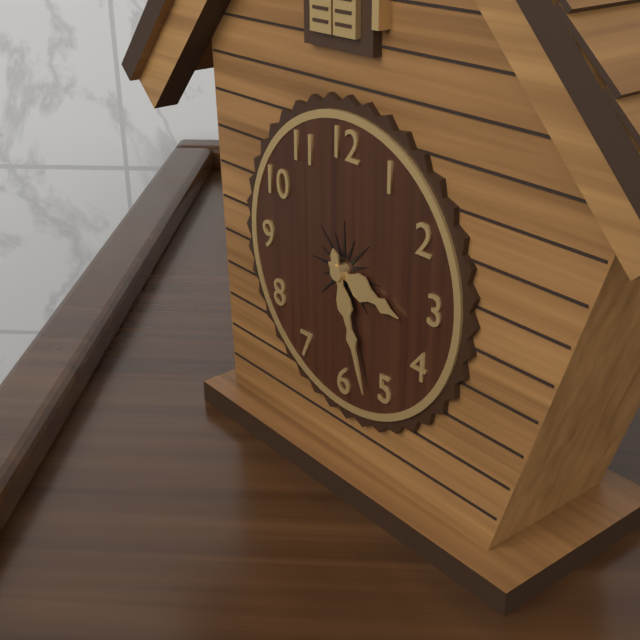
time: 3:27
